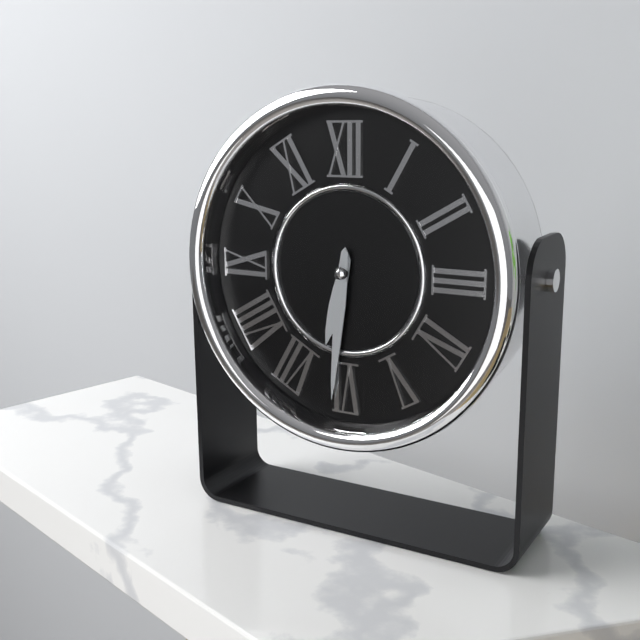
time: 6:31
